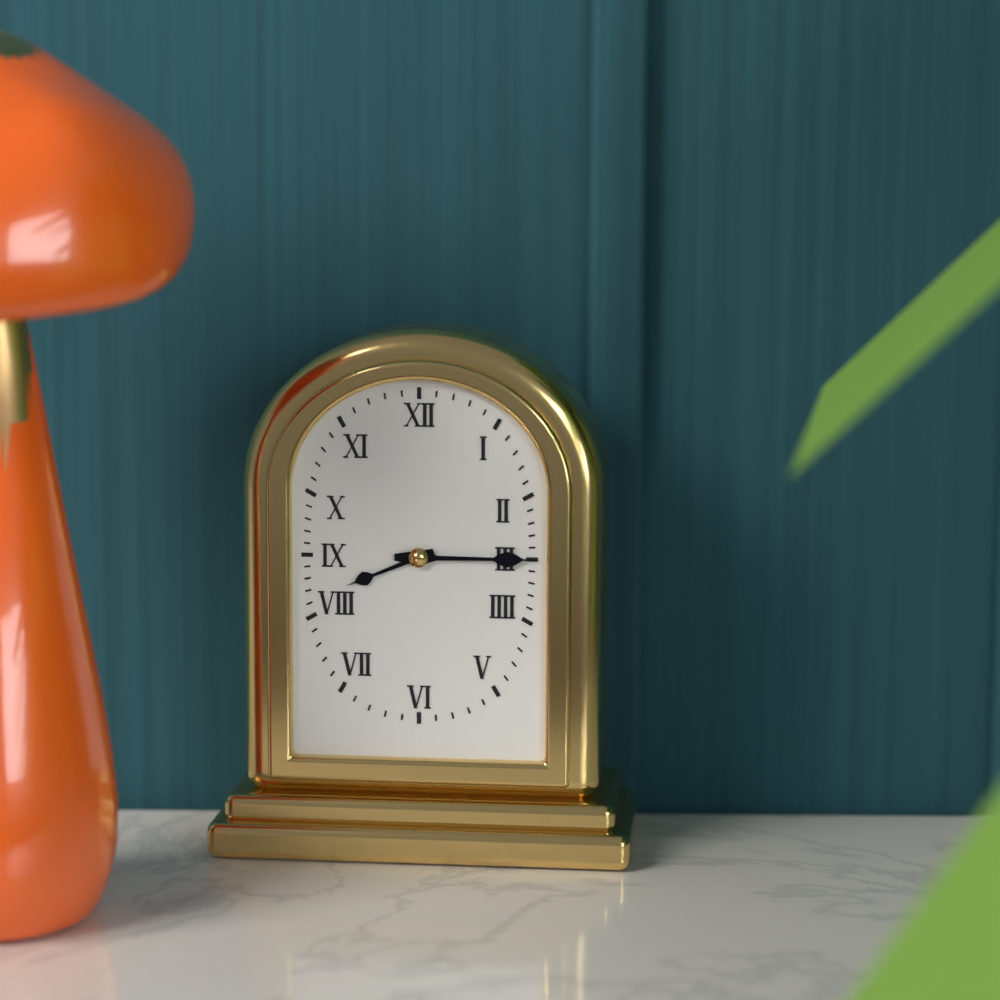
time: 8:15
